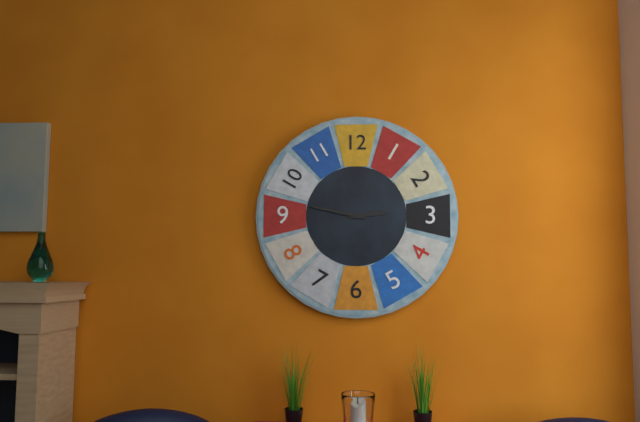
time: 2:47
